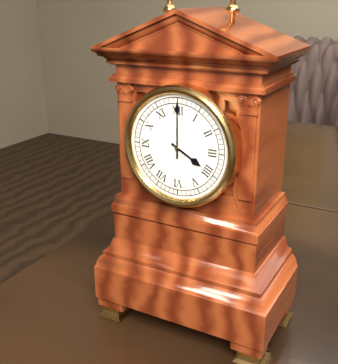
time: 4:00
